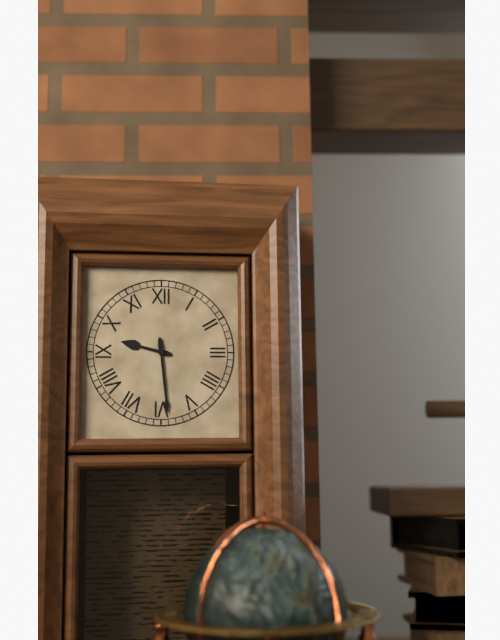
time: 9:29
